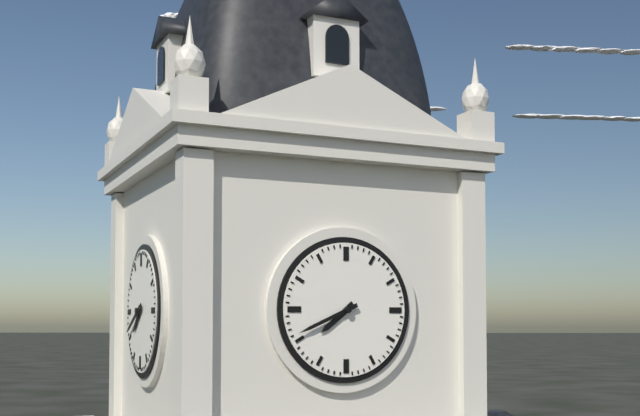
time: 7:41
